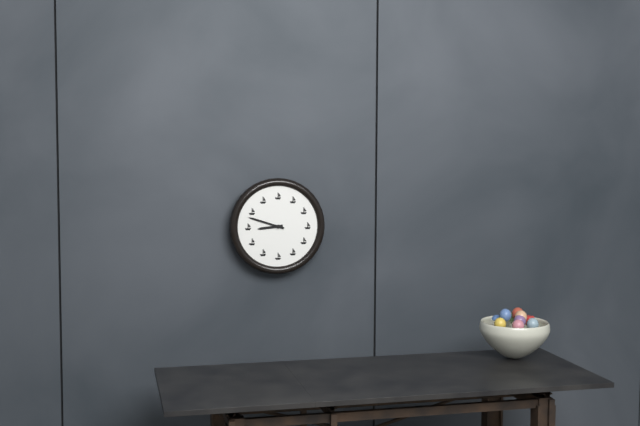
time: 8:48
